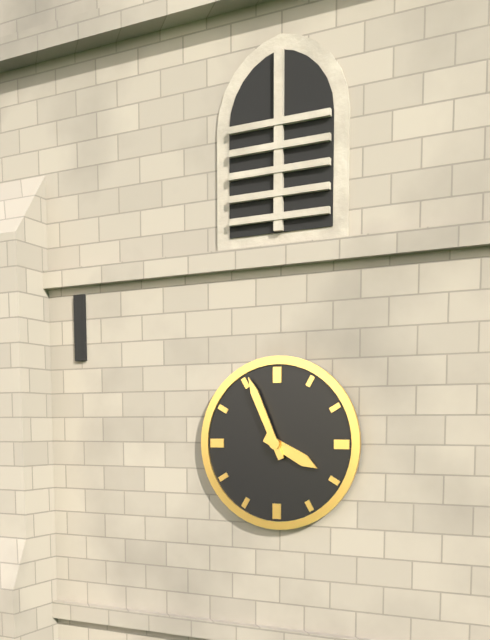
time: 3:56
